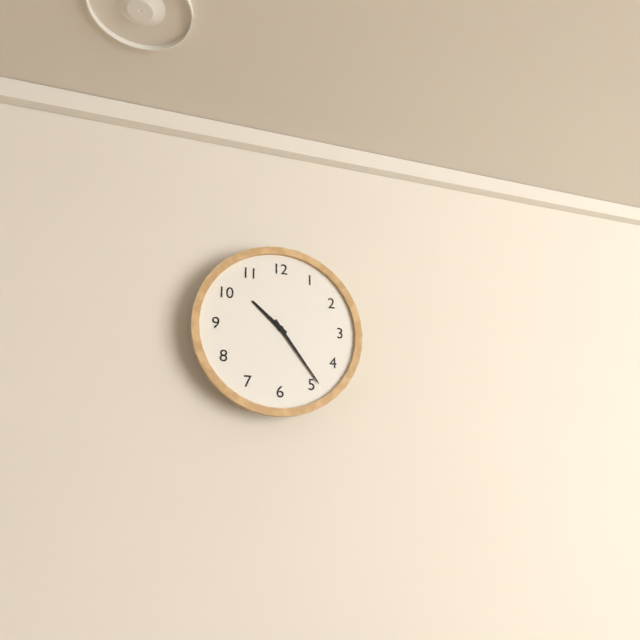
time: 10:24
